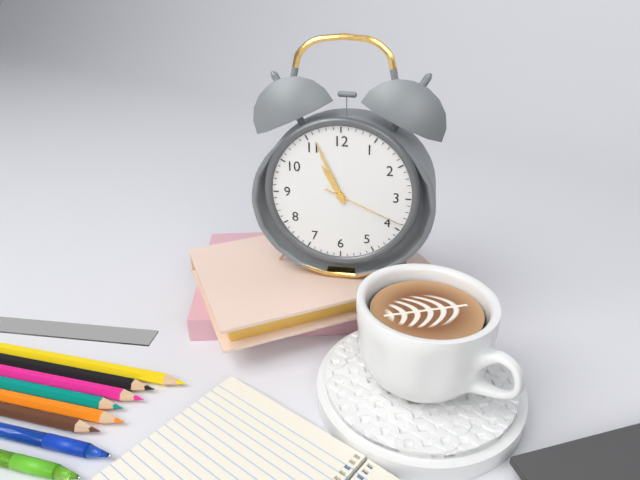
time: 10:56:19
